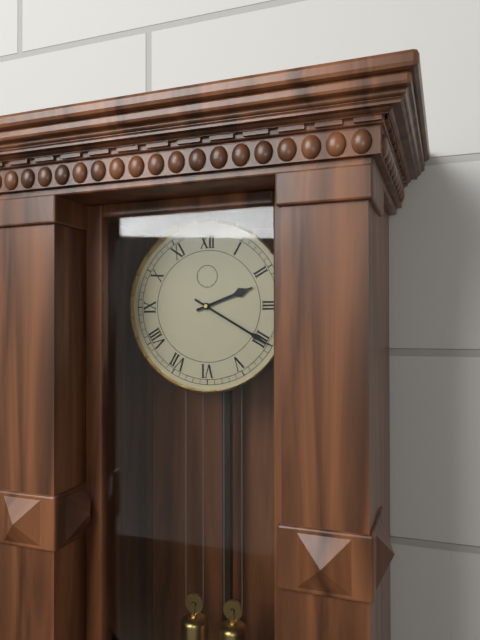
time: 2:20
